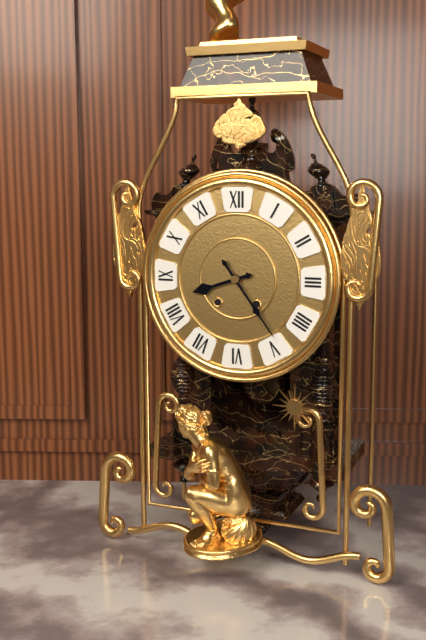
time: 8:24
